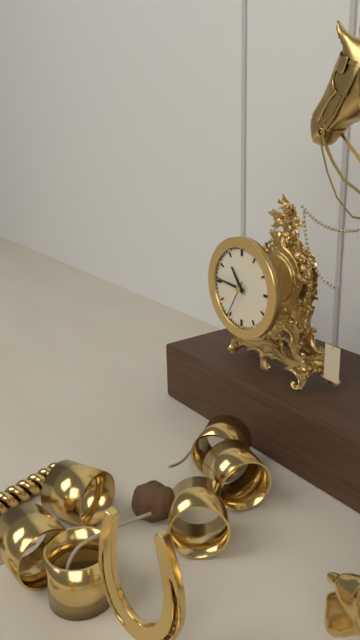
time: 10:46
